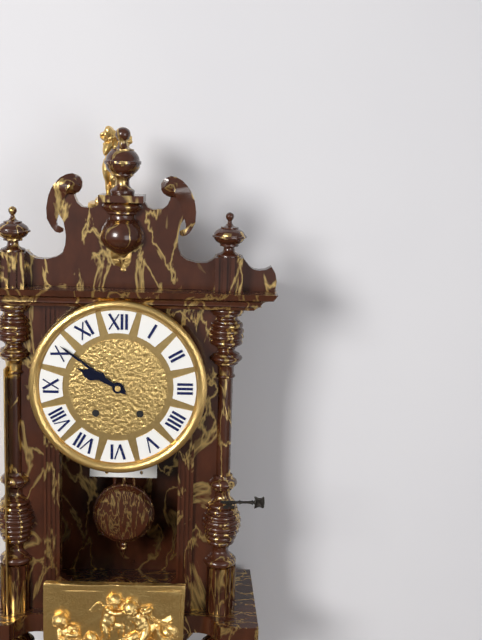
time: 9:51
